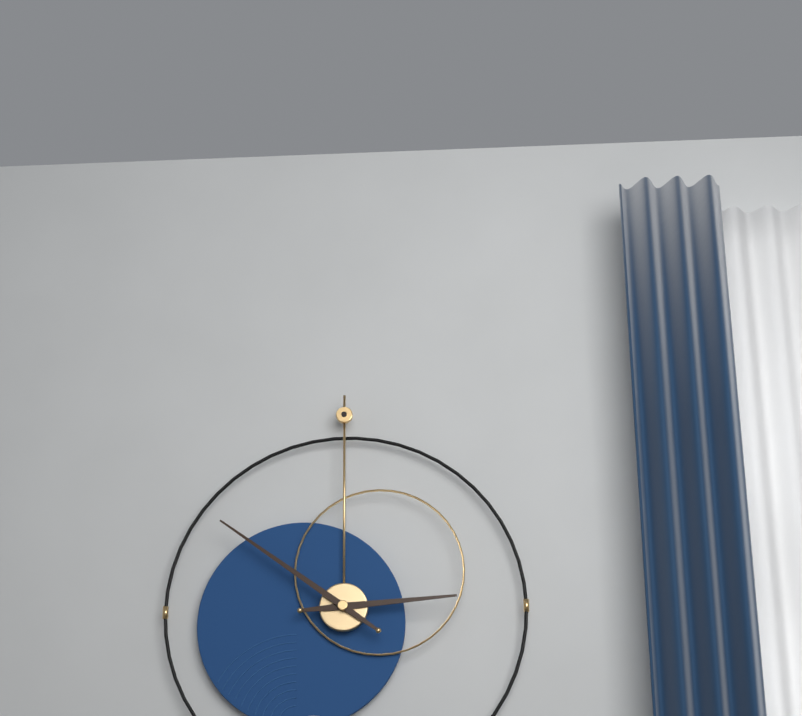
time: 2:51
